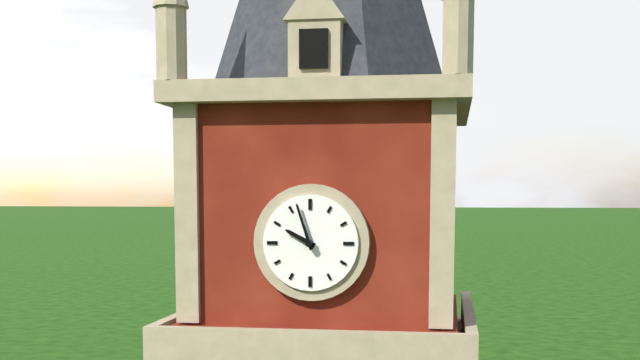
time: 9:57
